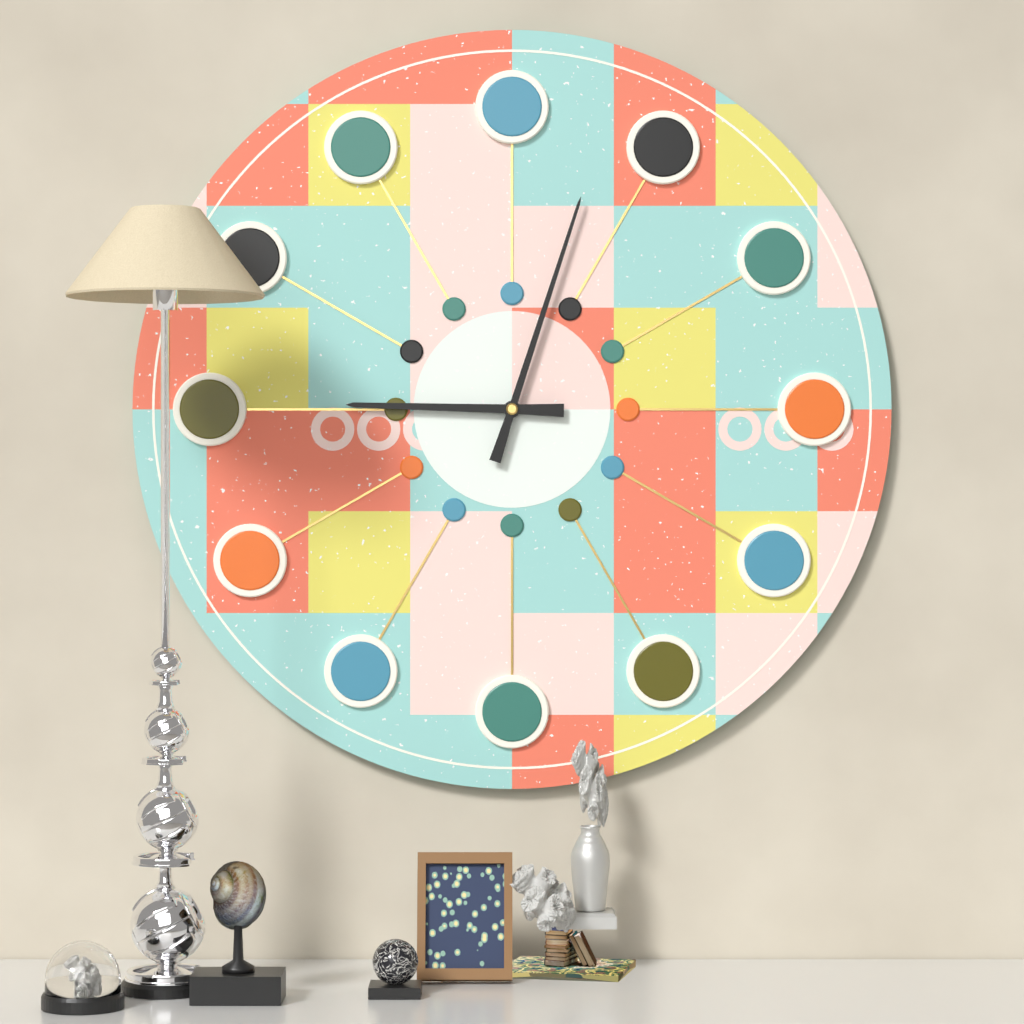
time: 9:03
